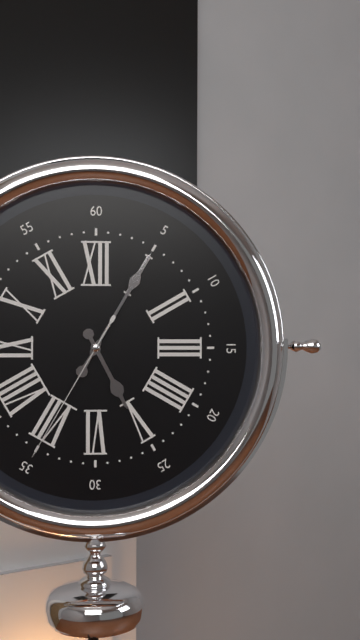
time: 5:05:35
